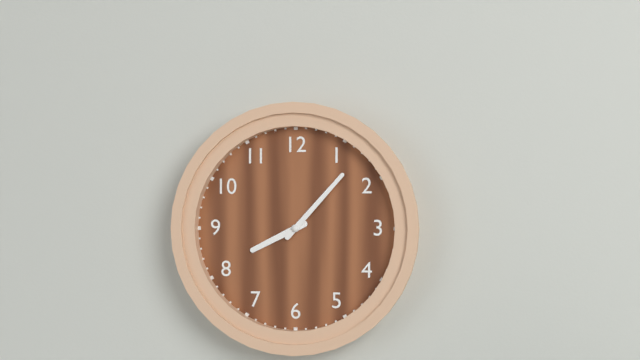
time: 8:07
